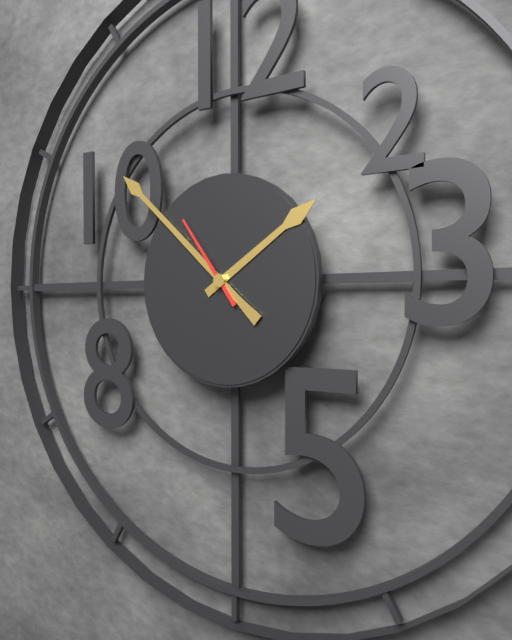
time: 1:52:54
